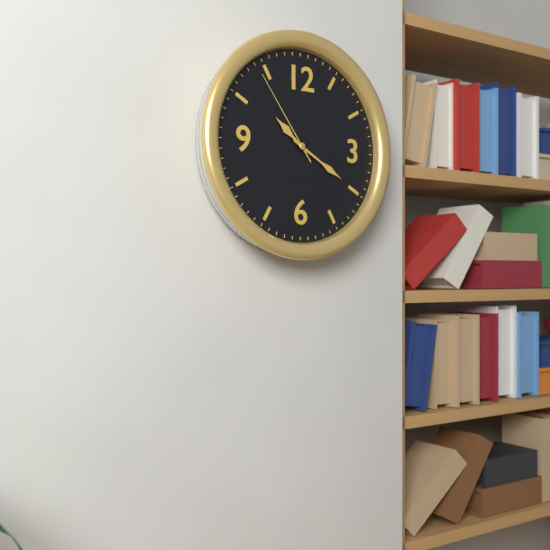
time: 10:20:54
